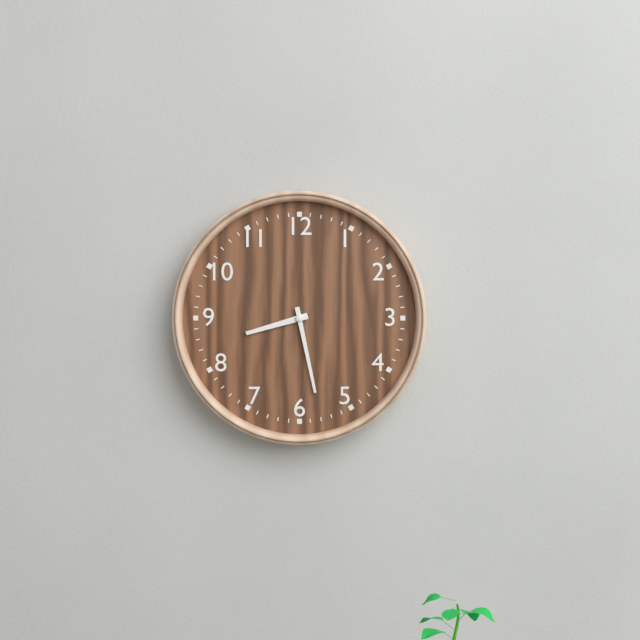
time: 8:28
